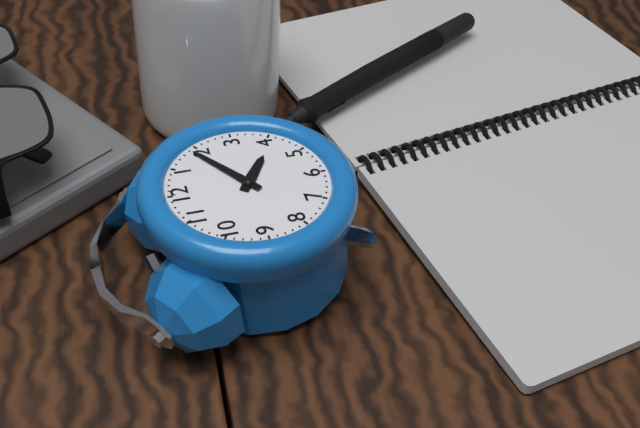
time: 4:09
